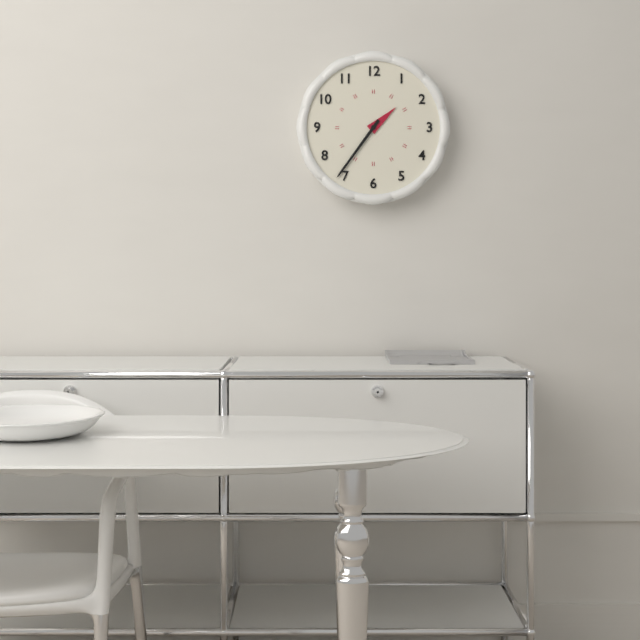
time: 1:36
